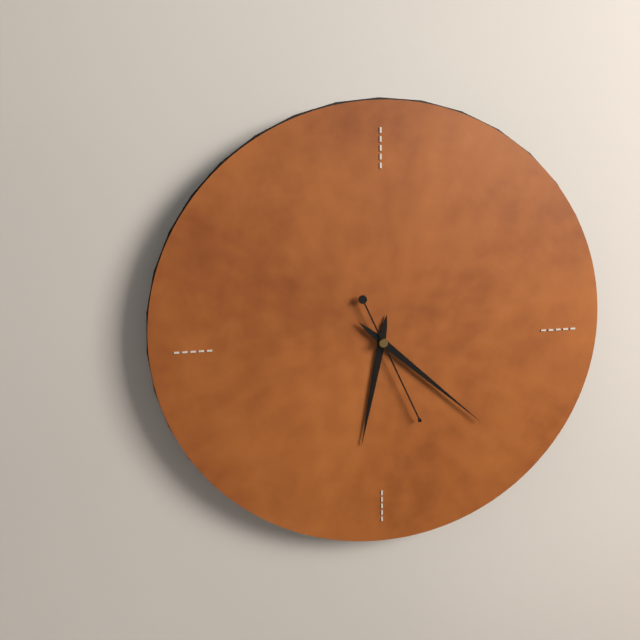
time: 6:22:26
